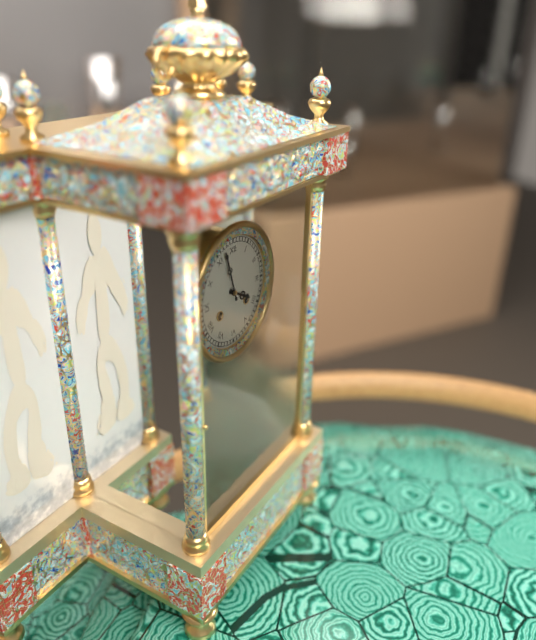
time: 3:57
